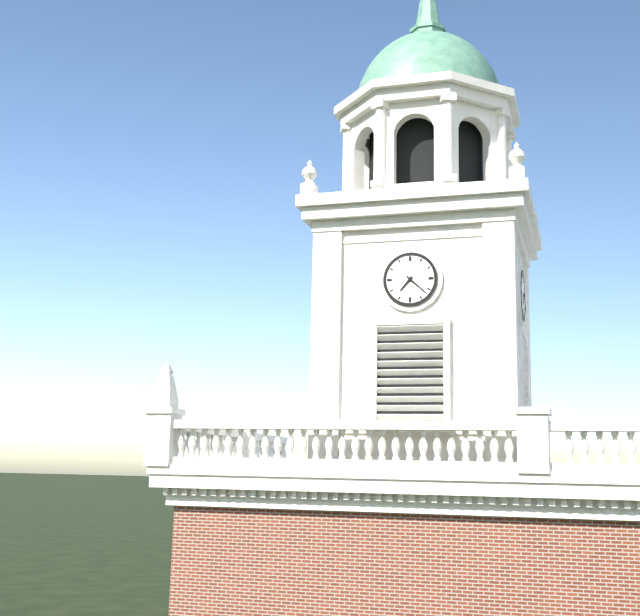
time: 7:22
